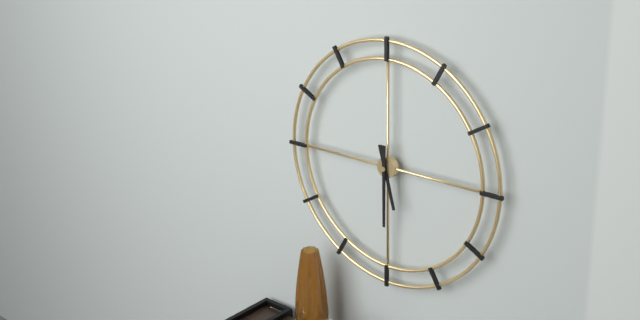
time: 5:30
